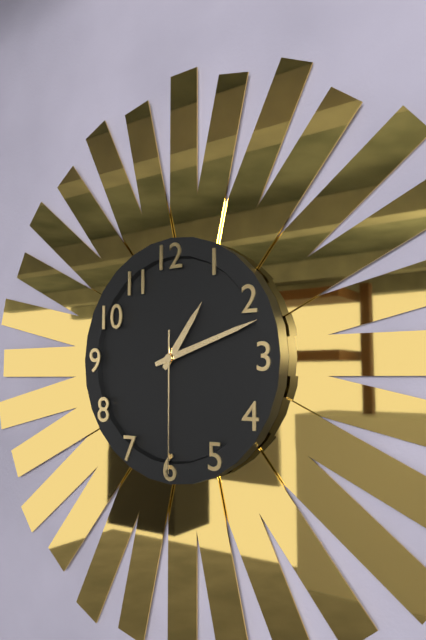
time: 1:12:30
